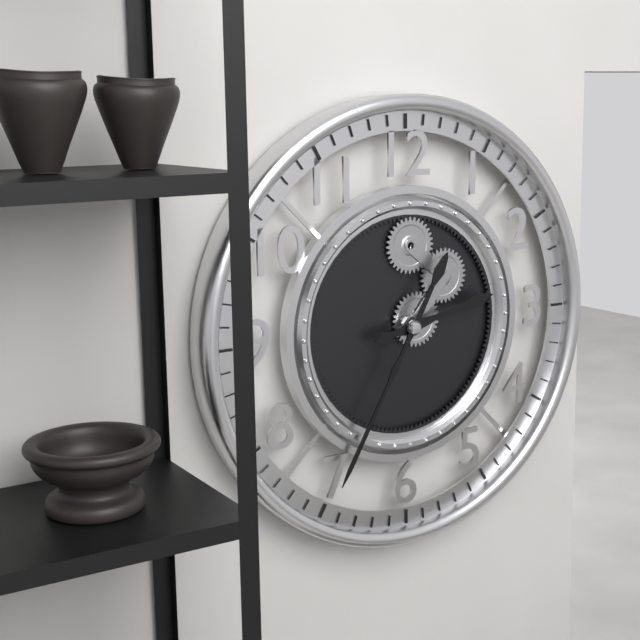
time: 2:35
